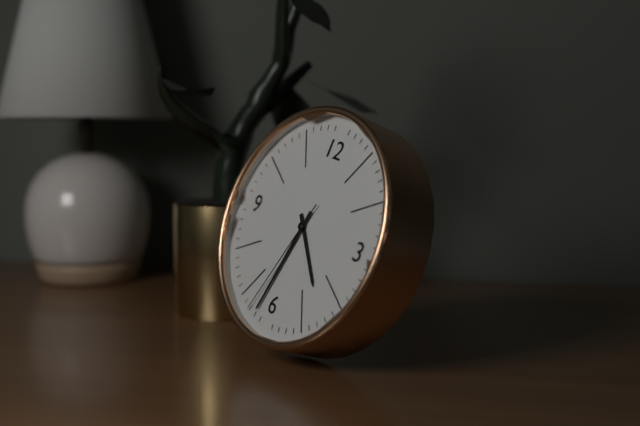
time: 4:32:33
